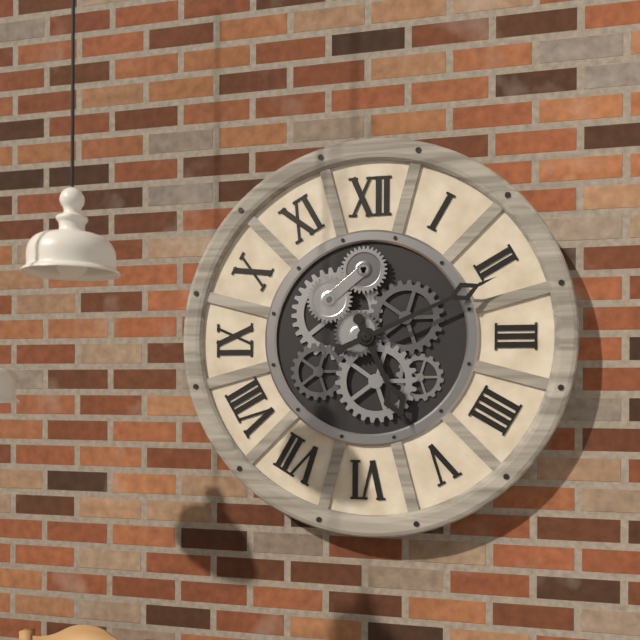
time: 5:11
